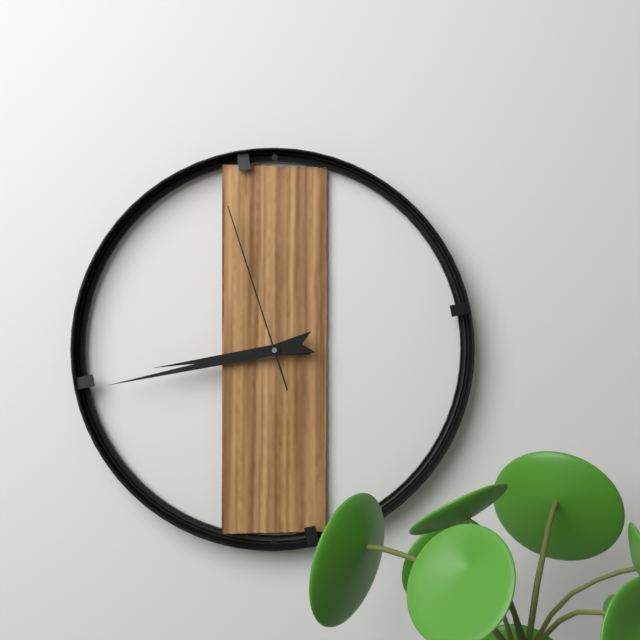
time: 8:43:57
